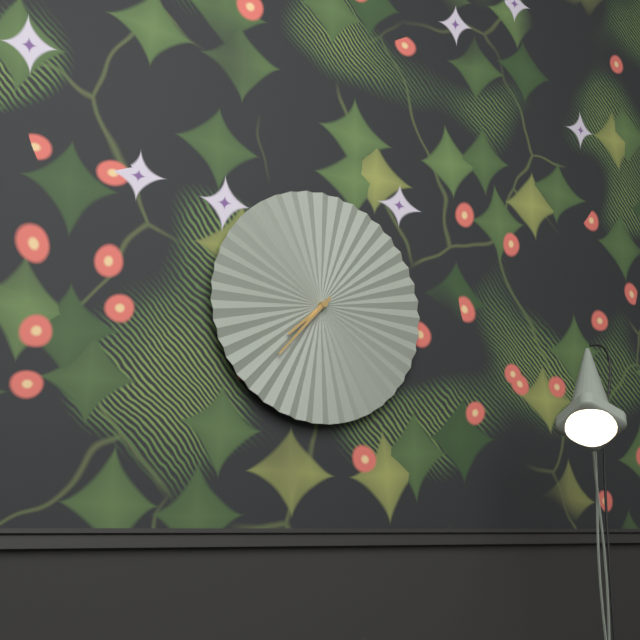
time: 7:37
